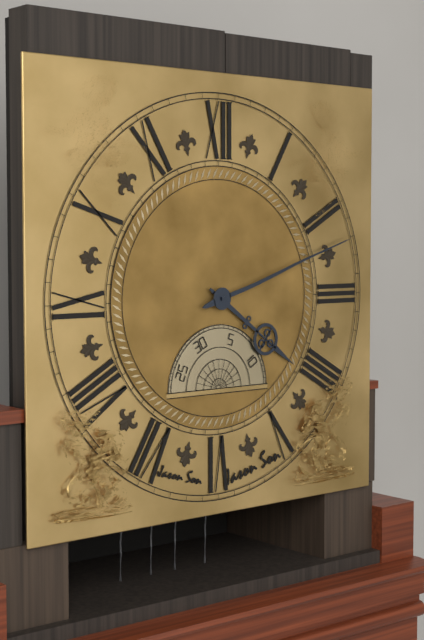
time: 4:12
